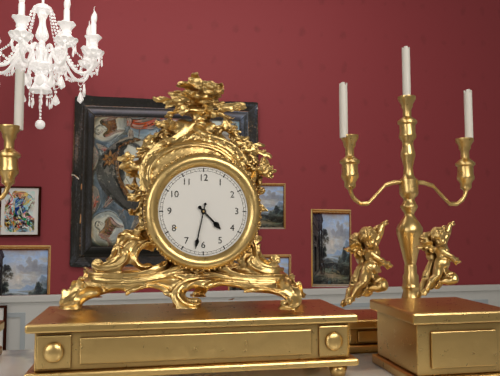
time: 4:32
